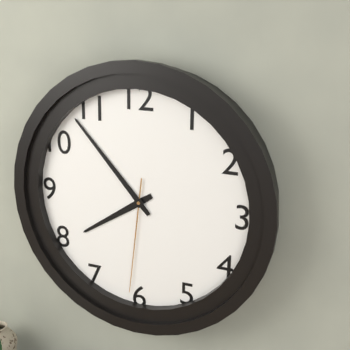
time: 7:53:31
